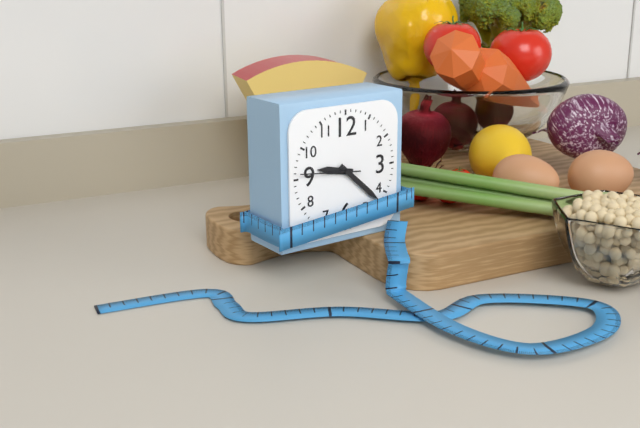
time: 9:22:46
